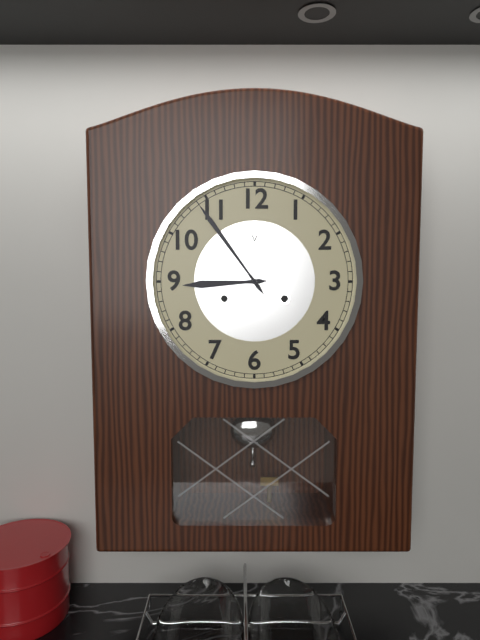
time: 8:54
